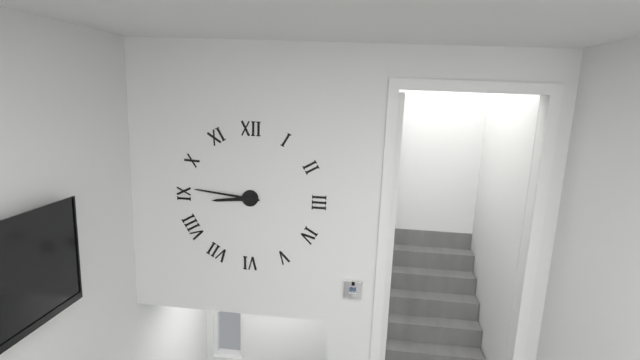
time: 8:46
